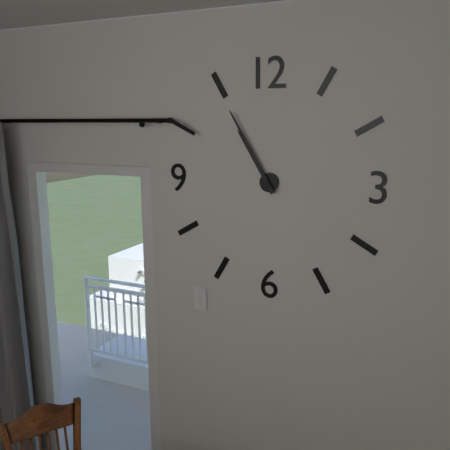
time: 10:55
